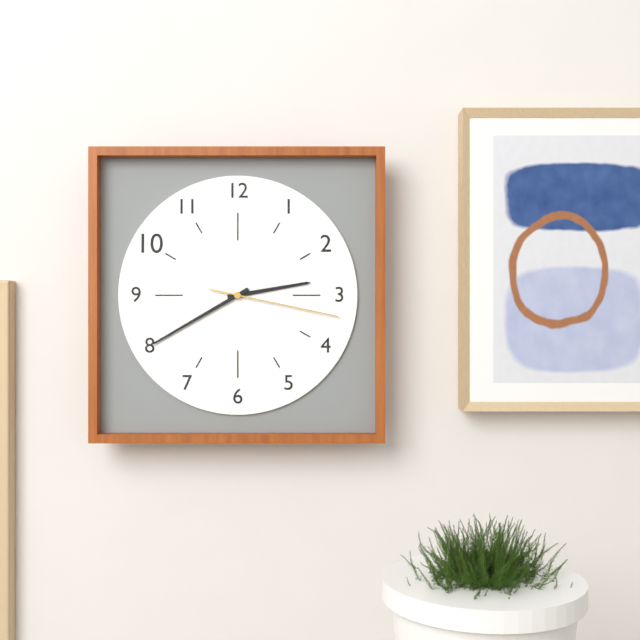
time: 2:40:17
